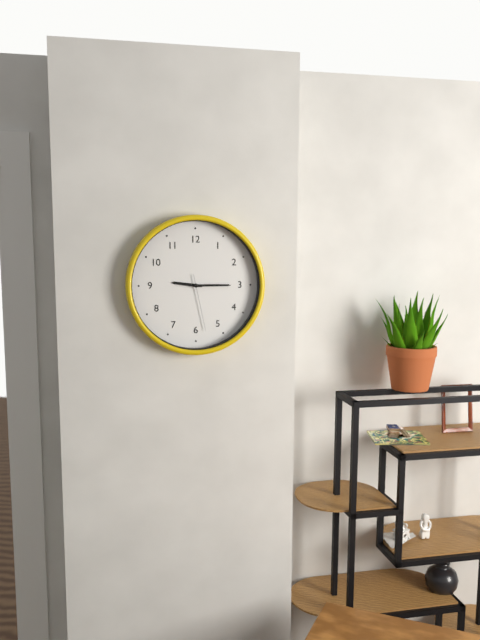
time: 9:15:28
